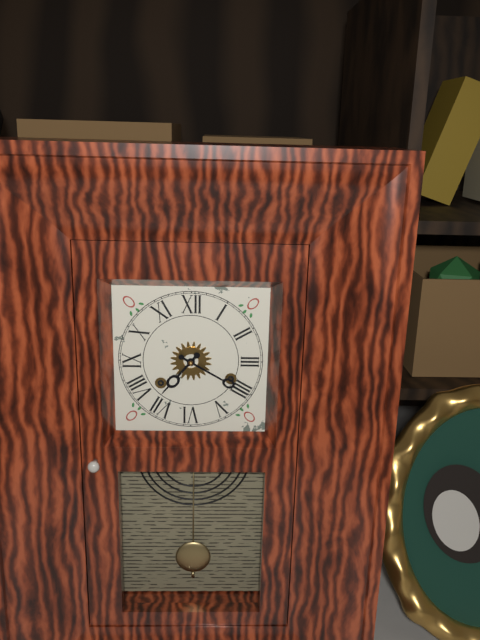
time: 7:20
